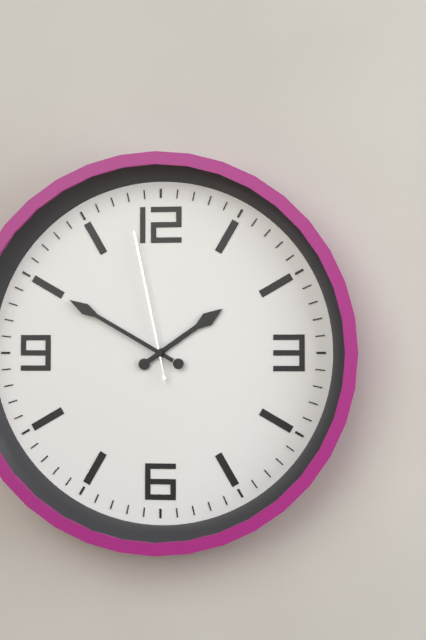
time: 1:50:58
